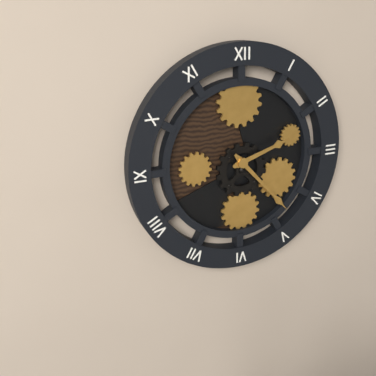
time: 2:23
